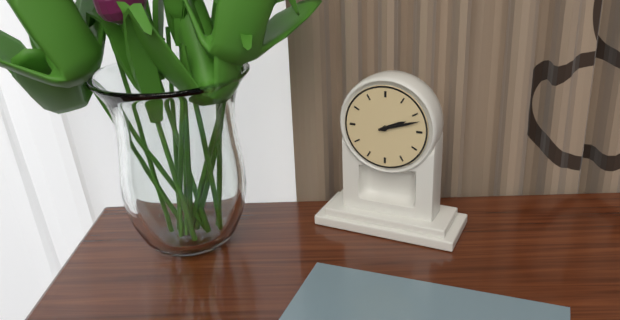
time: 2:12
